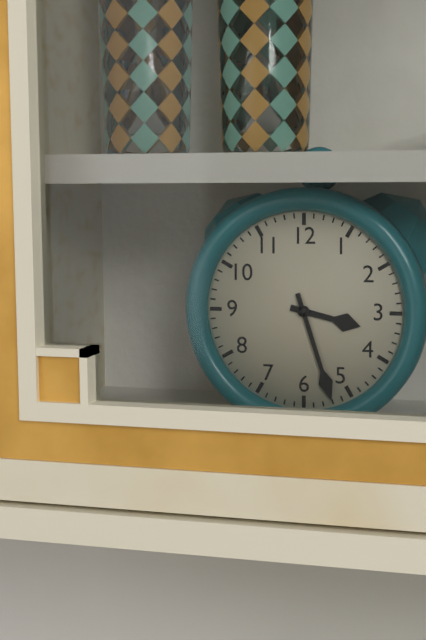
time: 3:27
